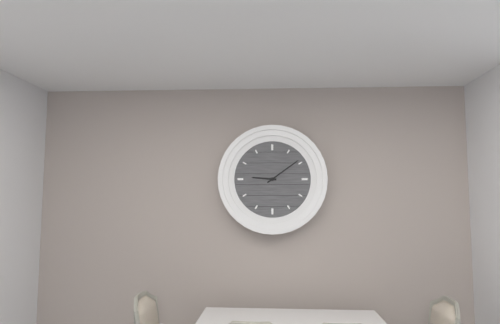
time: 9:09
